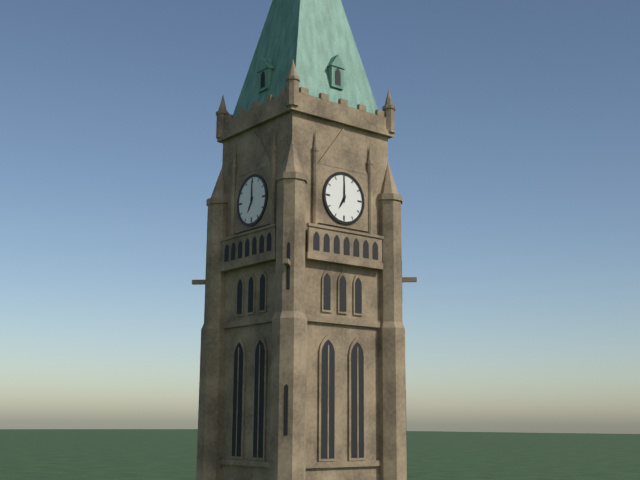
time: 7:00
